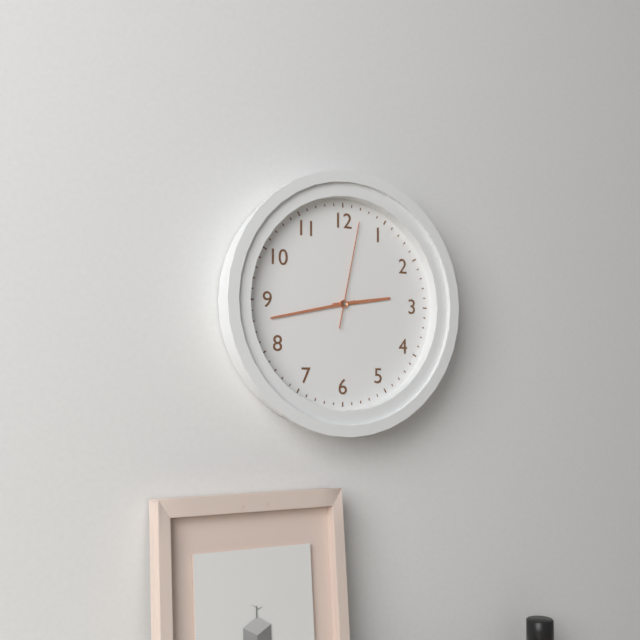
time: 2:43:02
